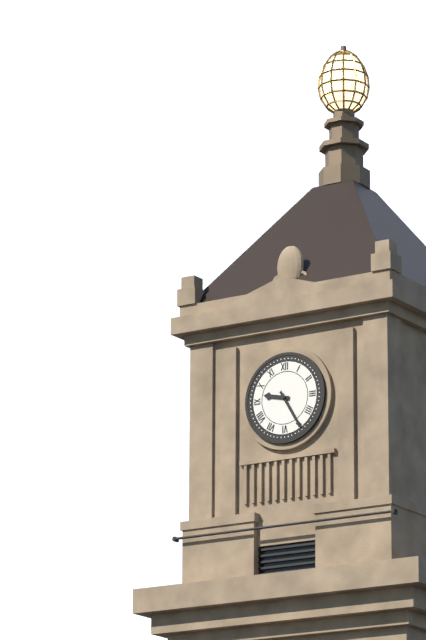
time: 9:25
